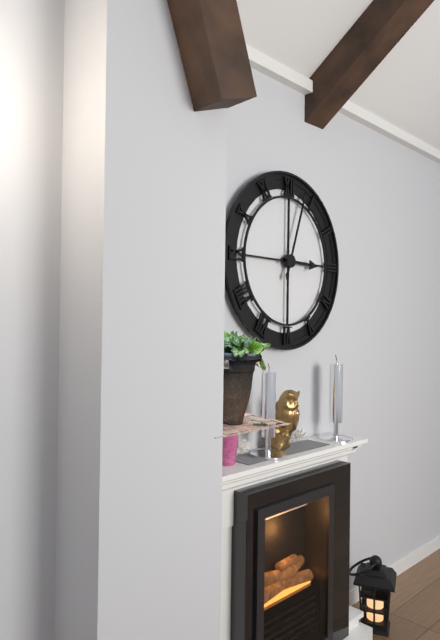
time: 3:03
